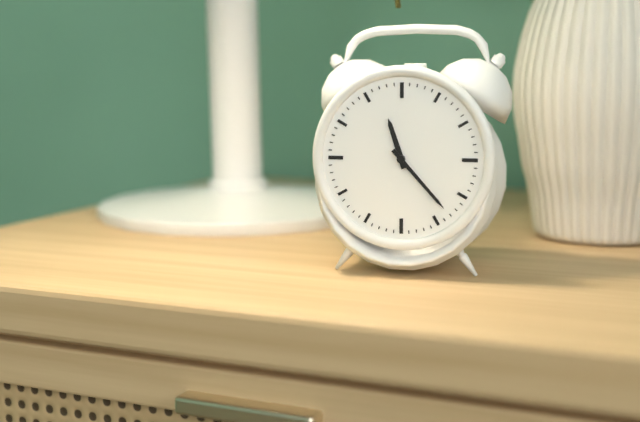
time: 11:23
